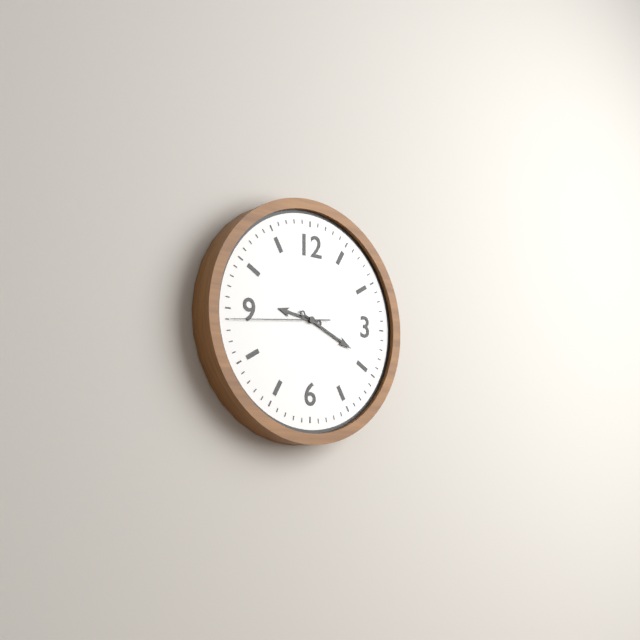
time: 9:19:44
